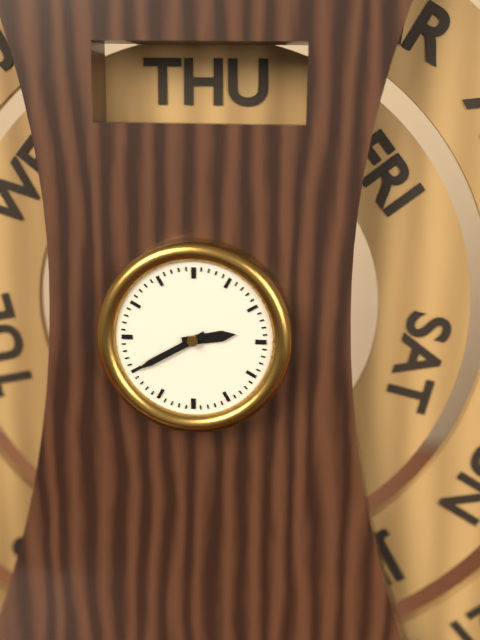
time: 2:40
